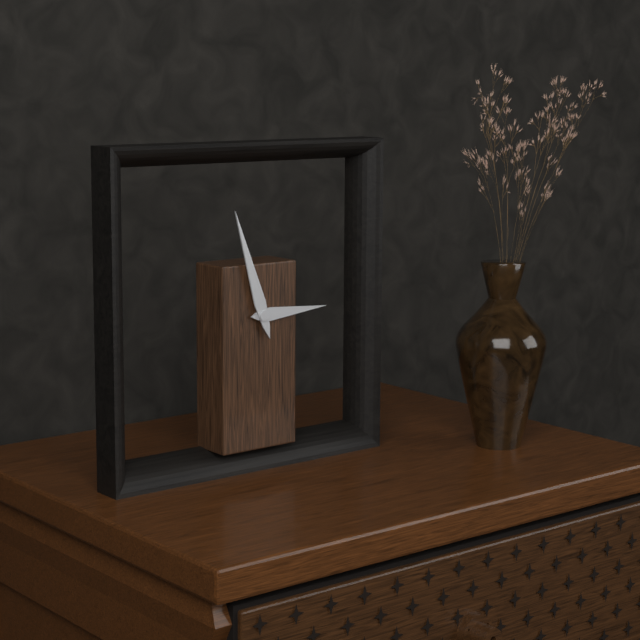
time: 2:57
